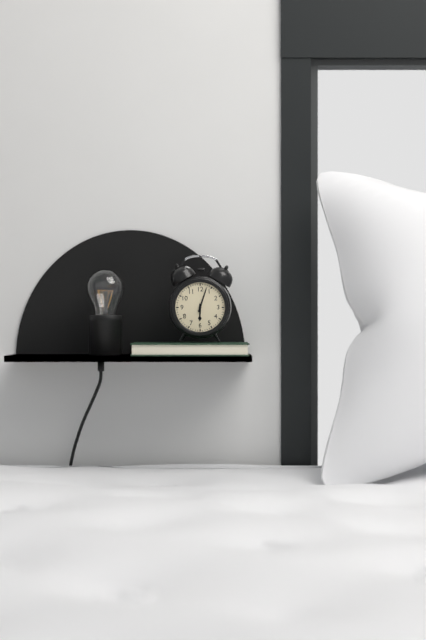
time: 6:03
